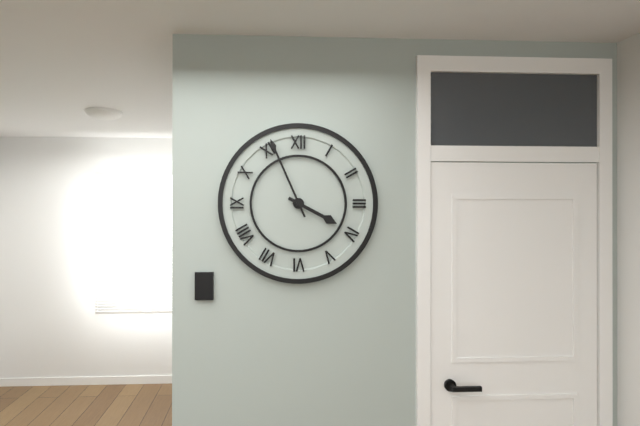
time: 3:56
